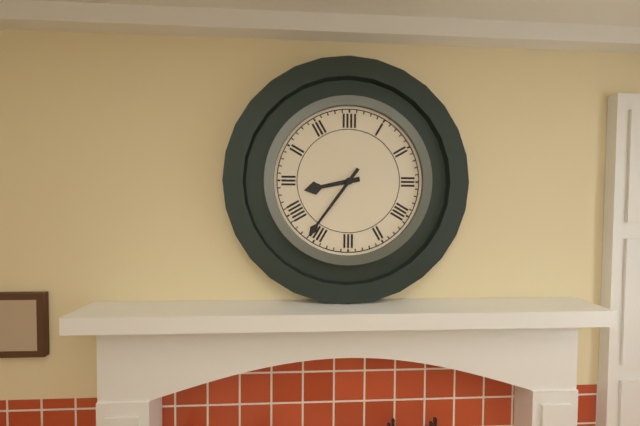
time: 8:36
